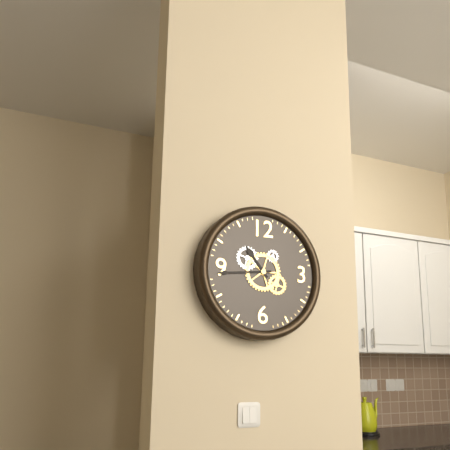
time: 10:44
